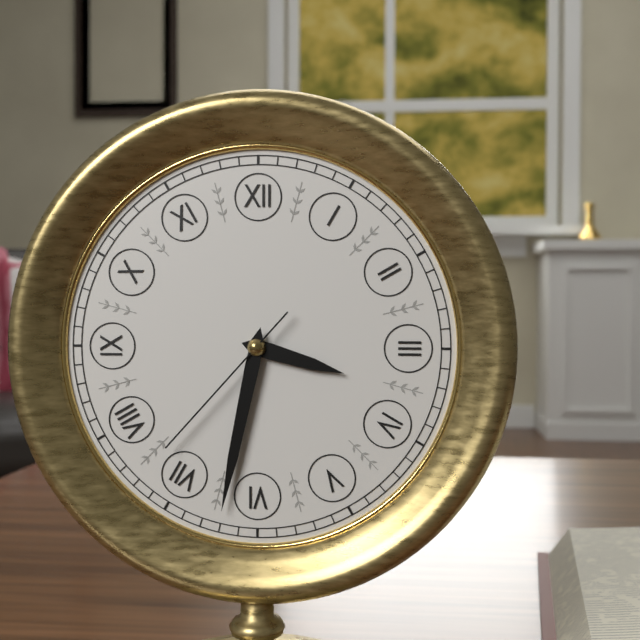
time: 3:32:37
